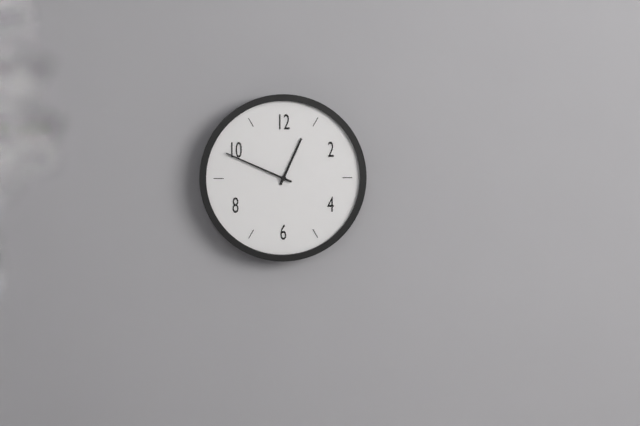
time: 12:49
